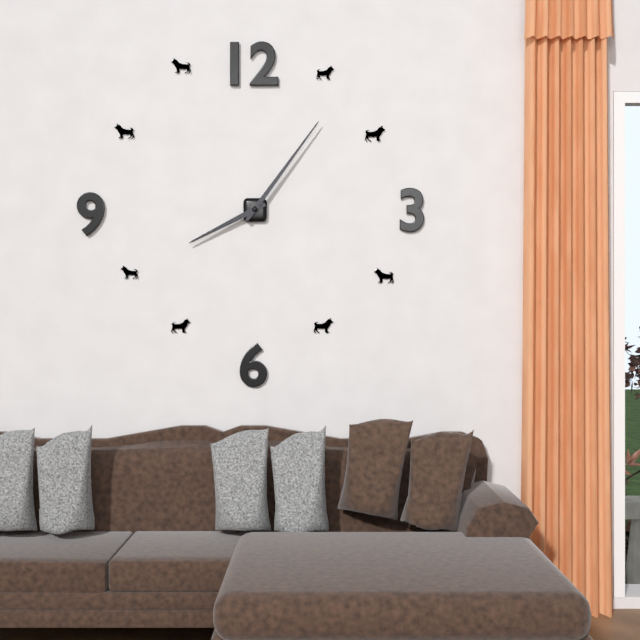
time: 8:06
